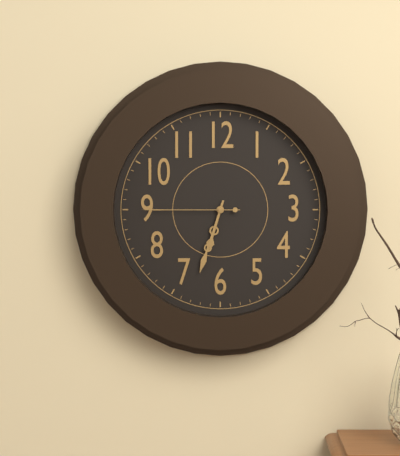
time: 6:33:45
